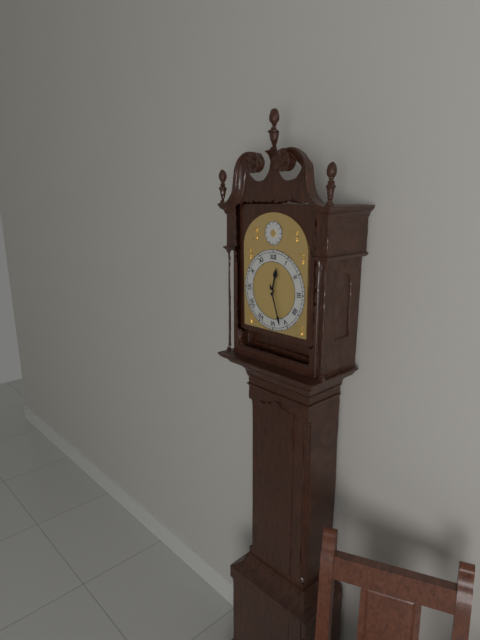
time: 12:27
